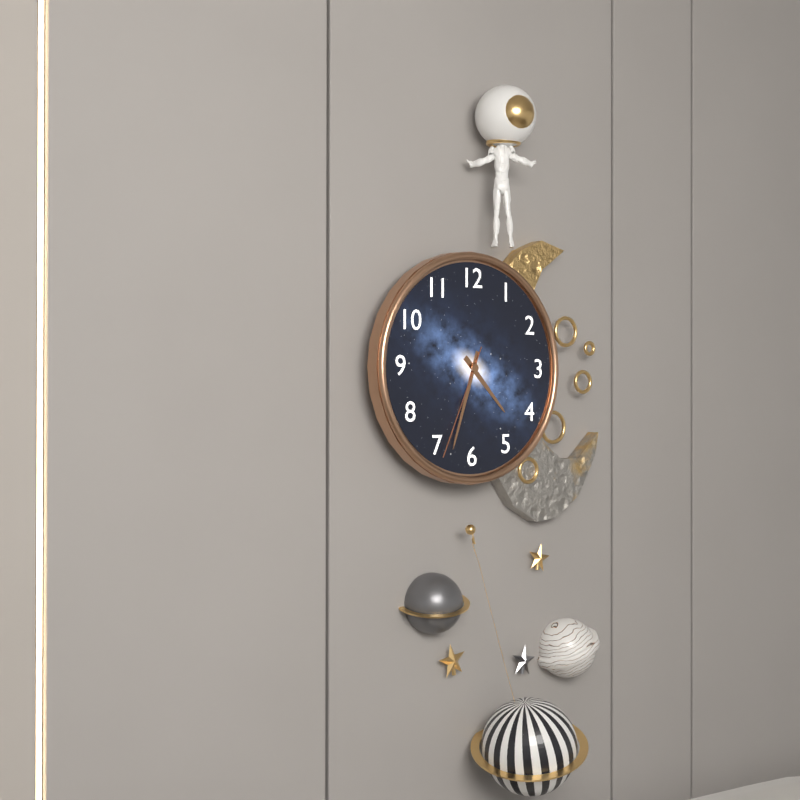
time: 4:33:34
